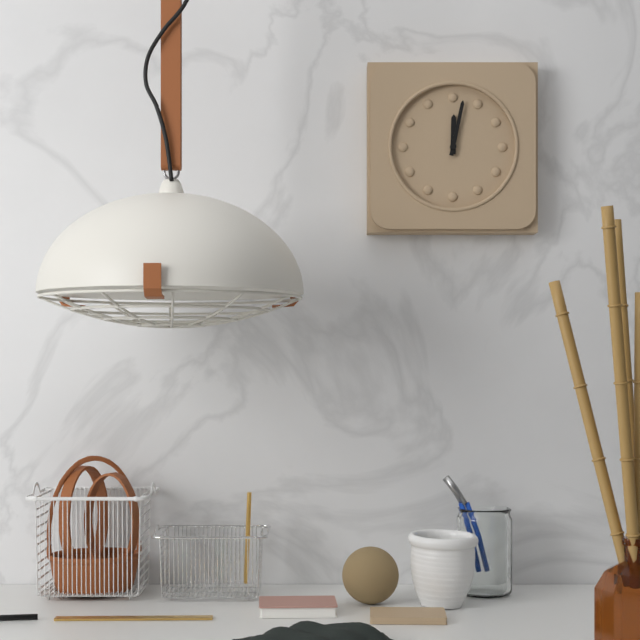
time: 12:02
